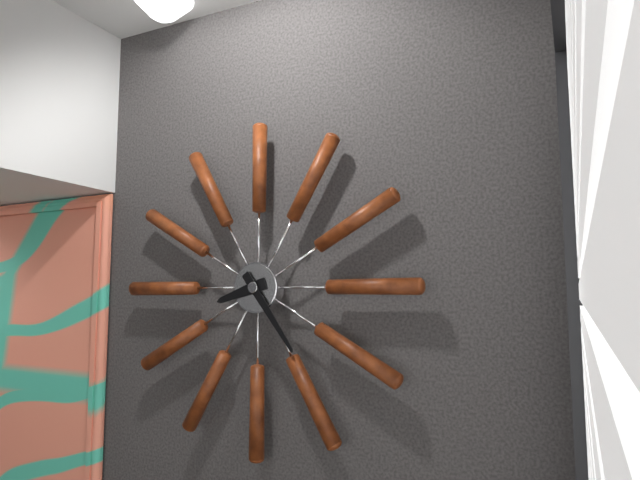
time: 8:24
